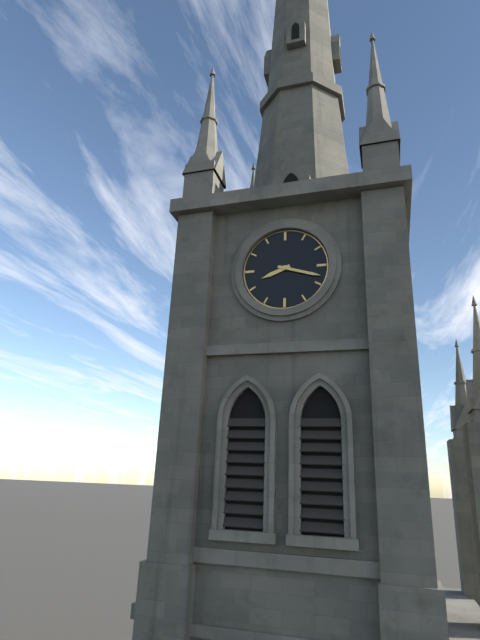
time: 8:18
